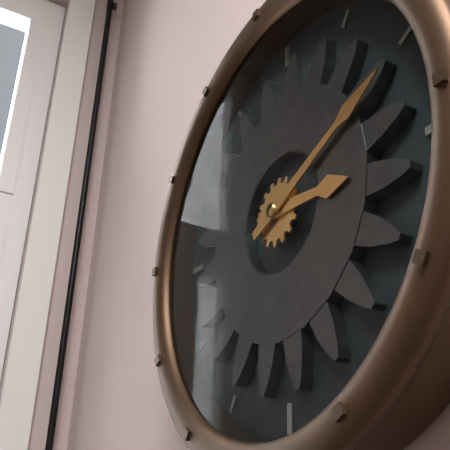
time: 3:11
